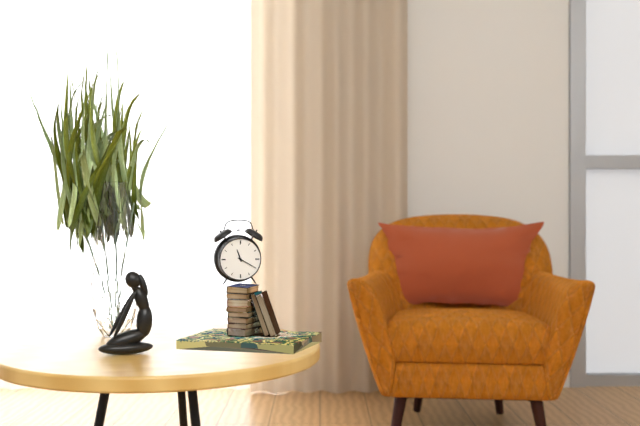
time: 11:20
